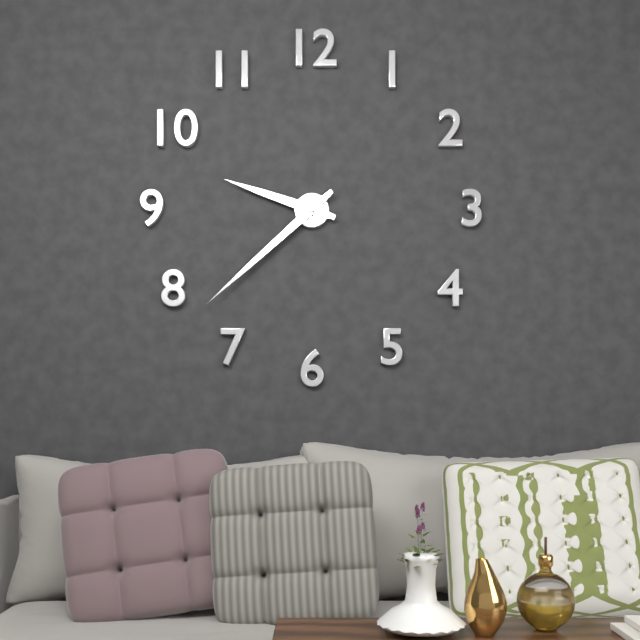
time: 9:38
